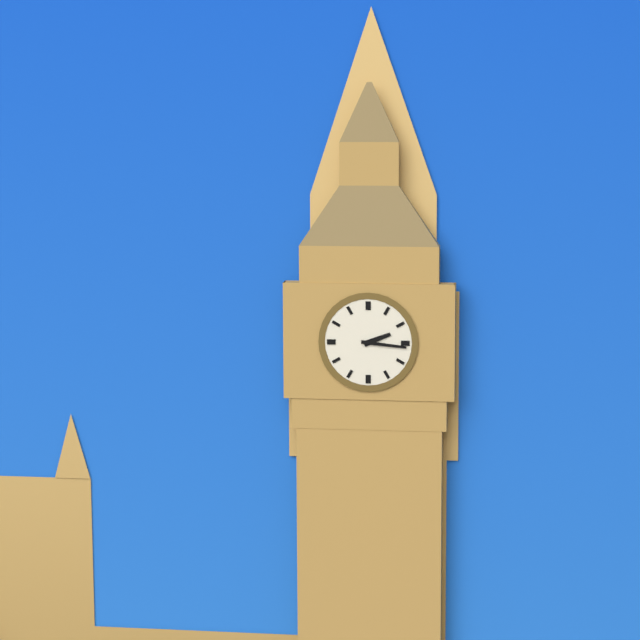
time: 2:16
